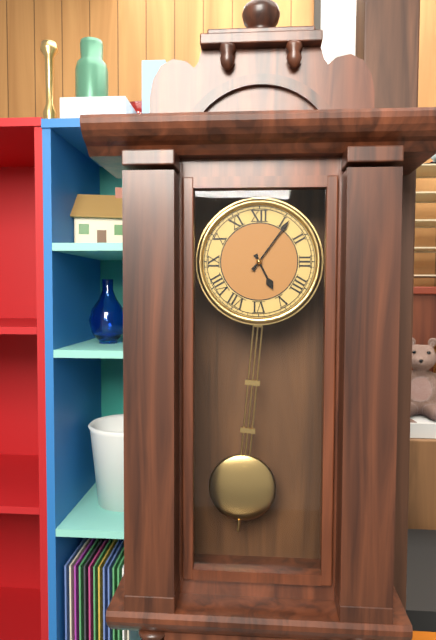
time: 5:06
